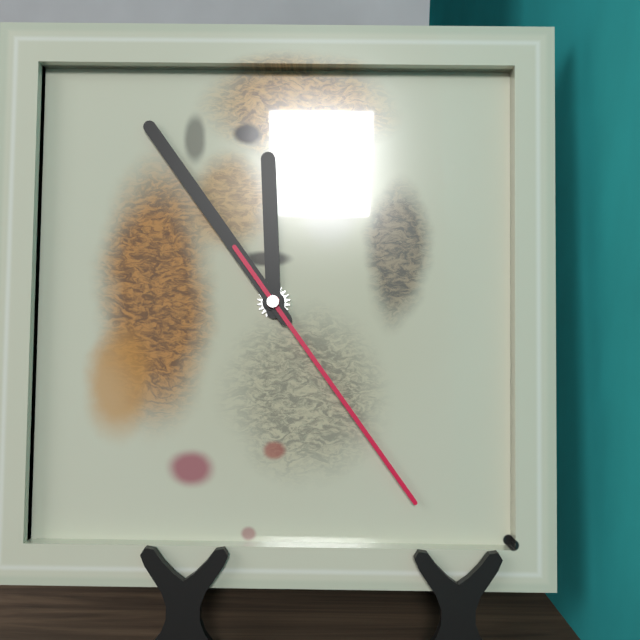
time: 11:54:24
